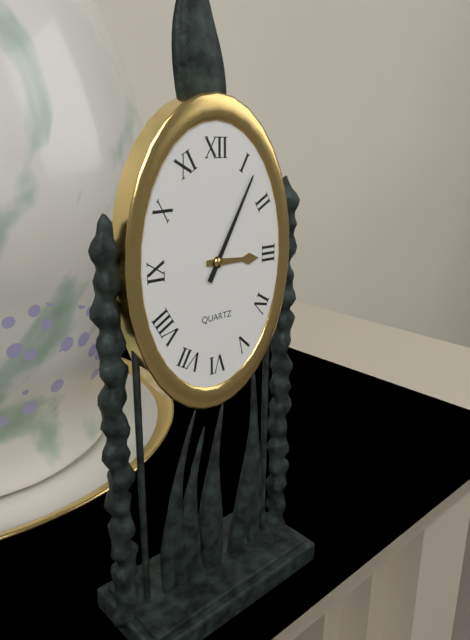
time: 3:05
